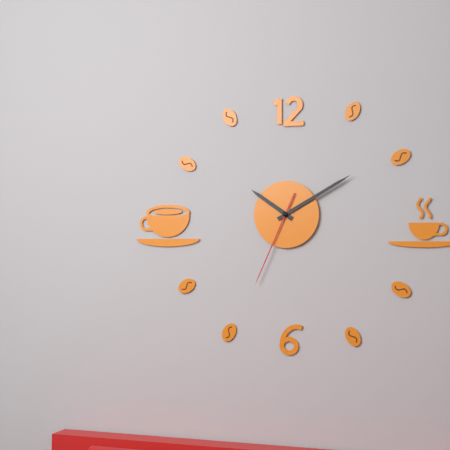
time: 10:10:34
